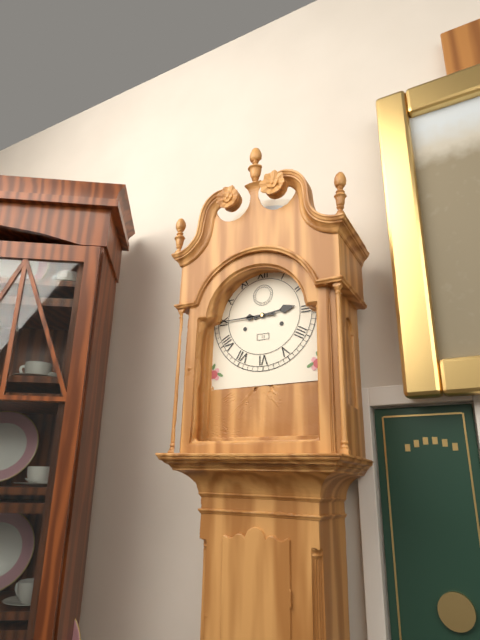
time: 2:45
